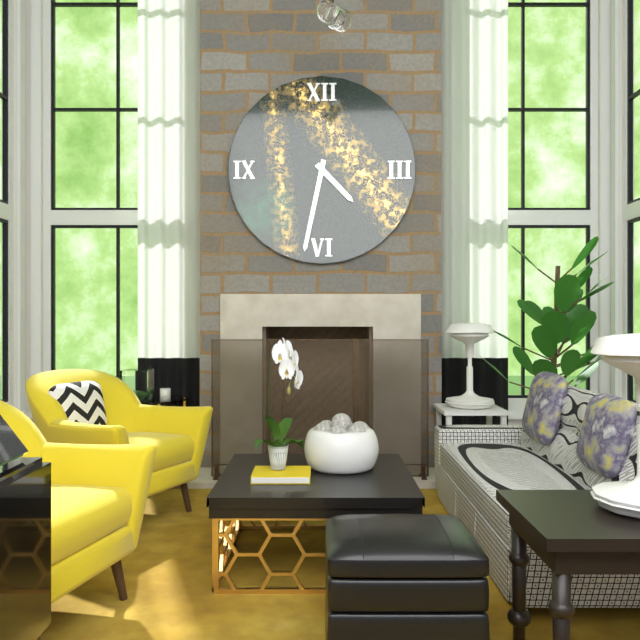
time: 4:32
